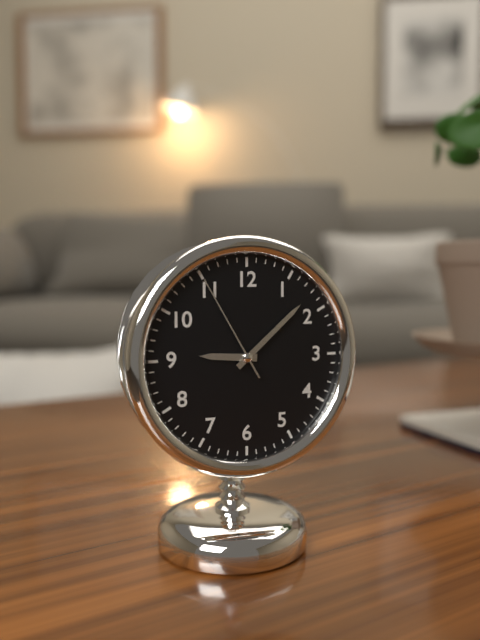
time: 9:08:55
